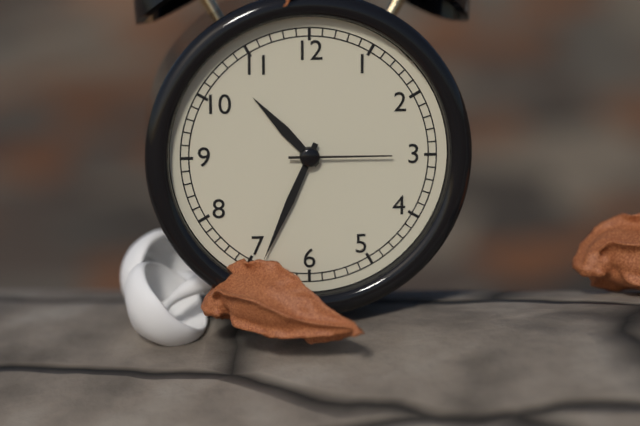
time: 10:34:15
